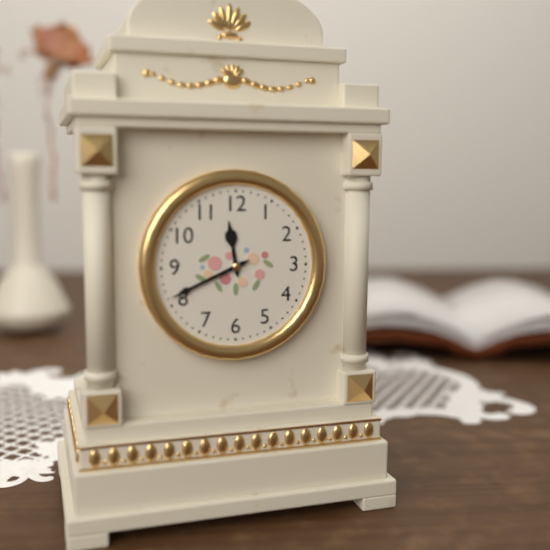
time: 11:41
